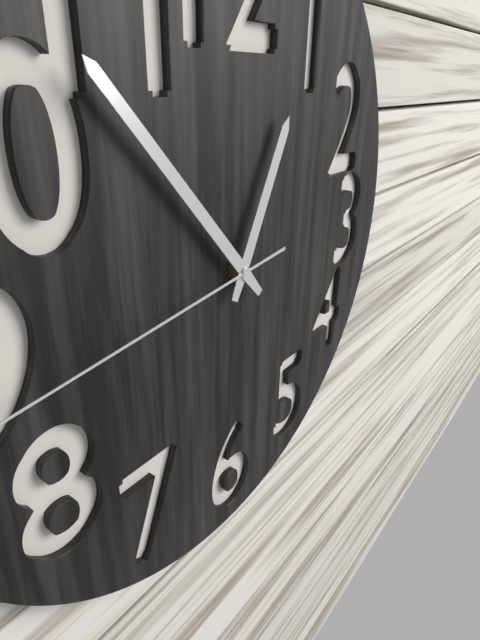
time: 12:53
